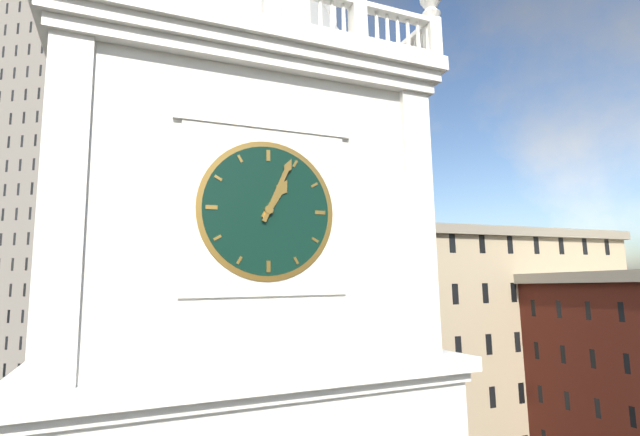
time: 1:04
